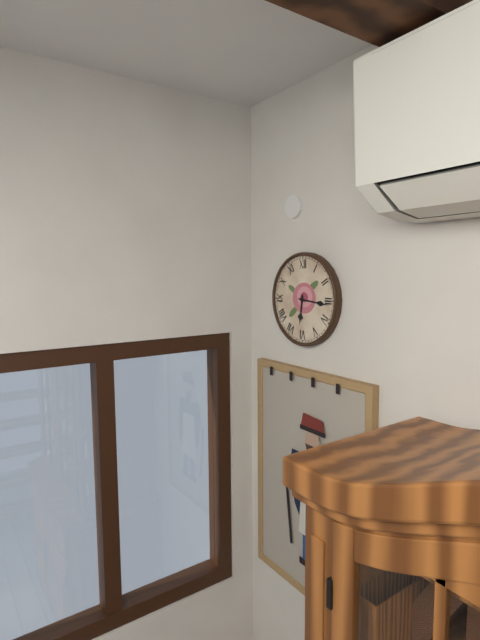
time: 6:16
